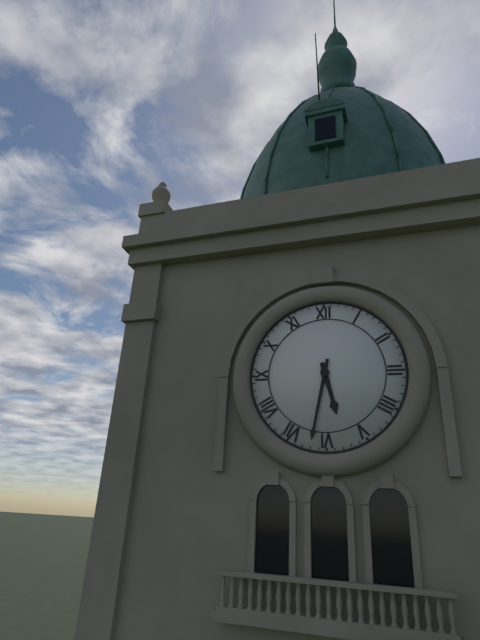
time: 5:32
